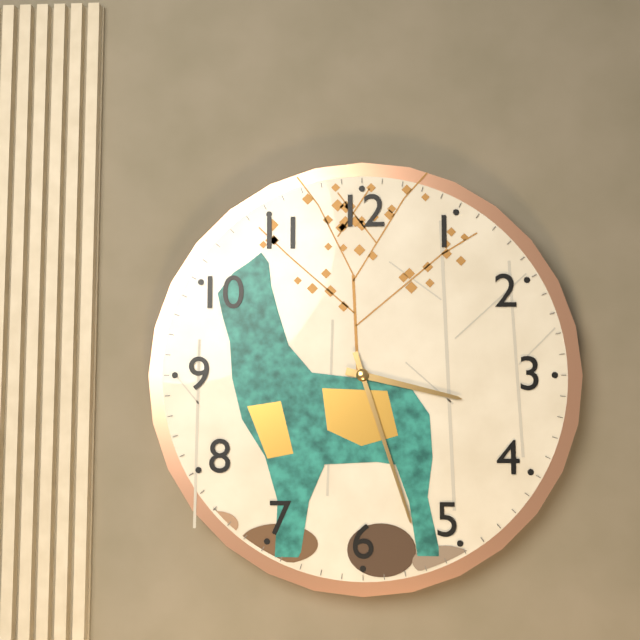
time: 3:27
